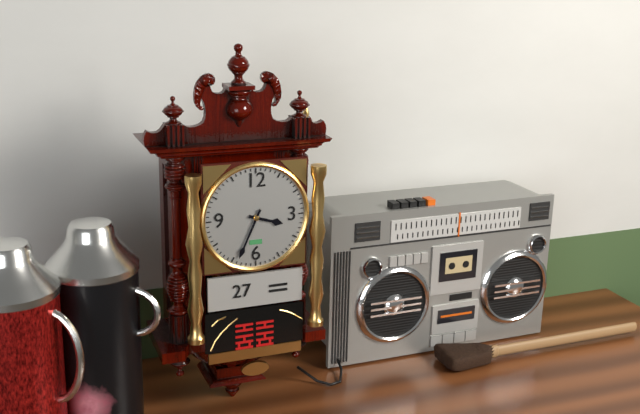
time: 3:34
